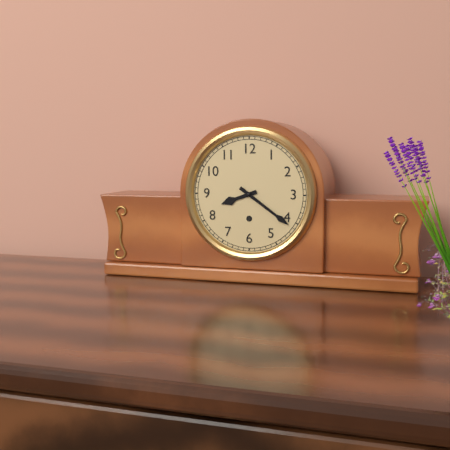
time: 8:21
